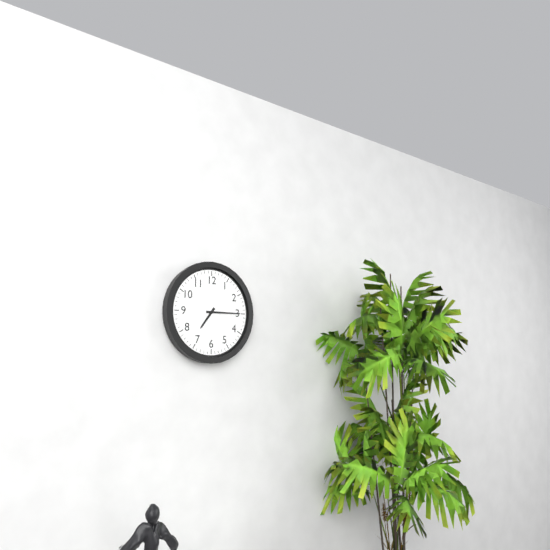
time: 7:15
